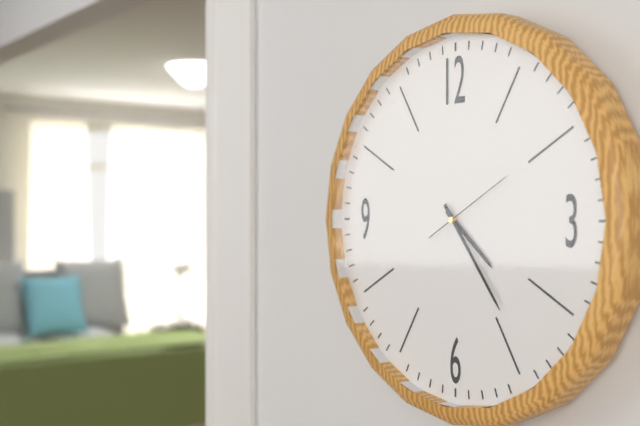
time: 4:24:10
